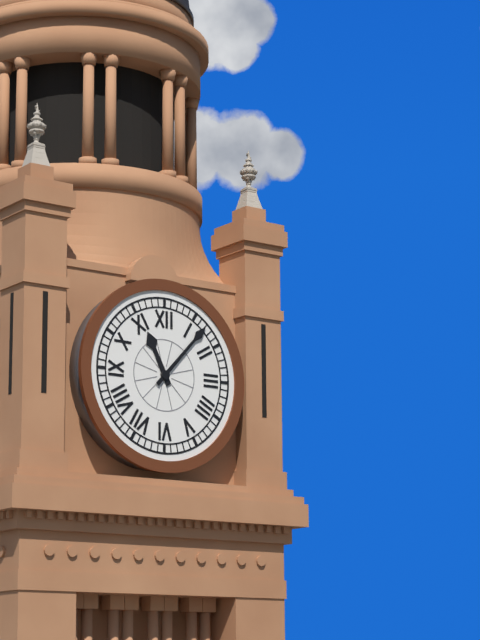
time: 11:07
